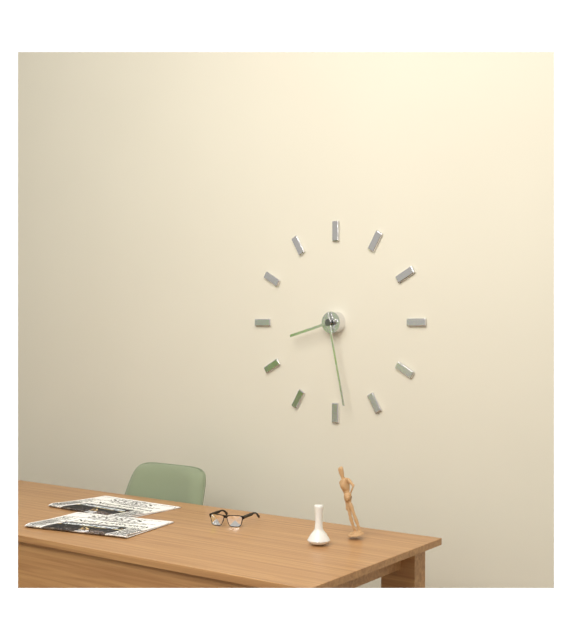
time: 8:28
